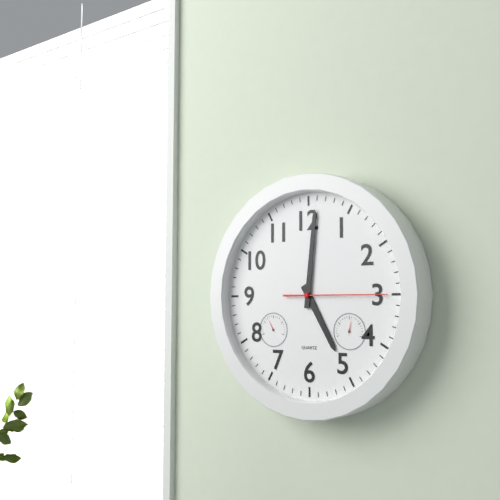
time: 5:01:15
